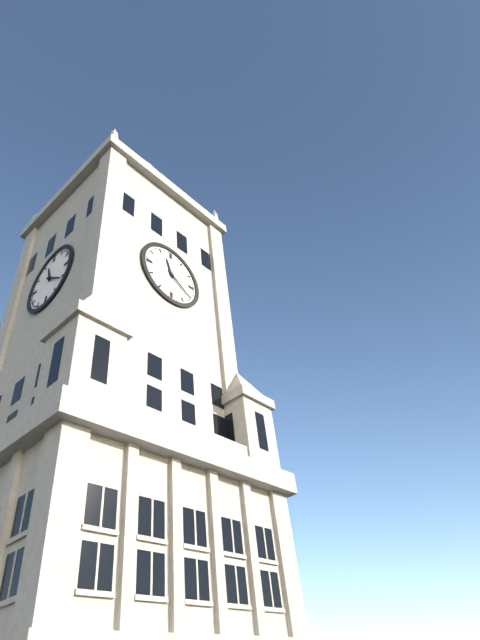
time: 11:21
